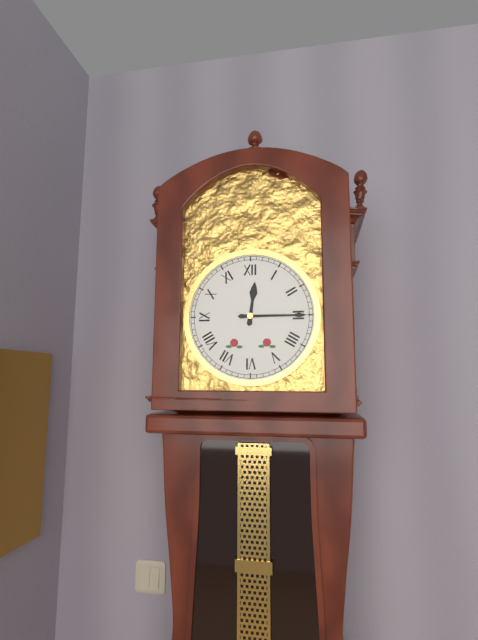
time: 12:15
